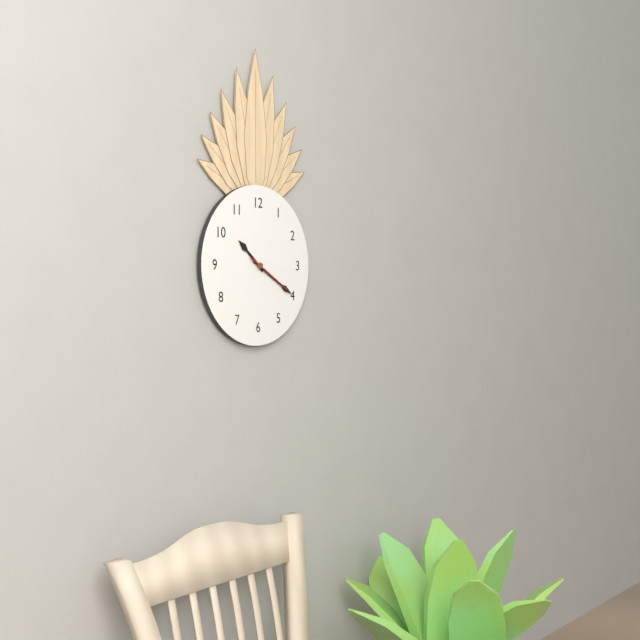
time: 10:20:20
